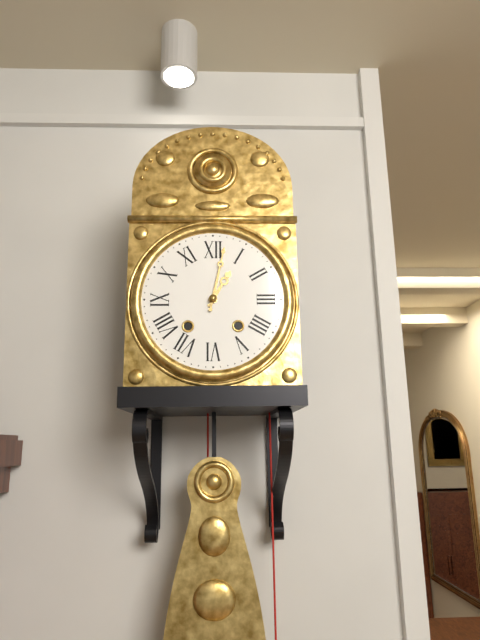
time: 1:02
